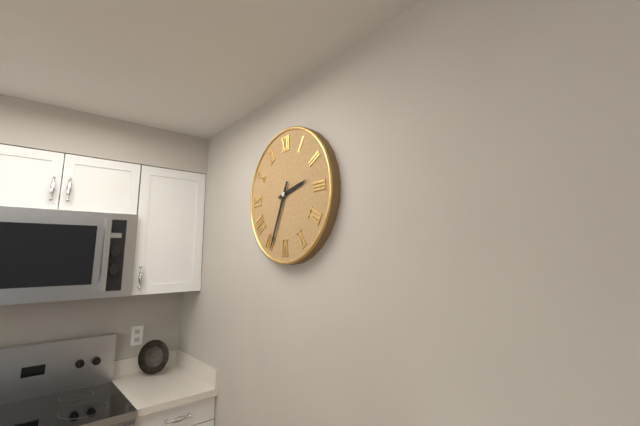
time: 2:34
